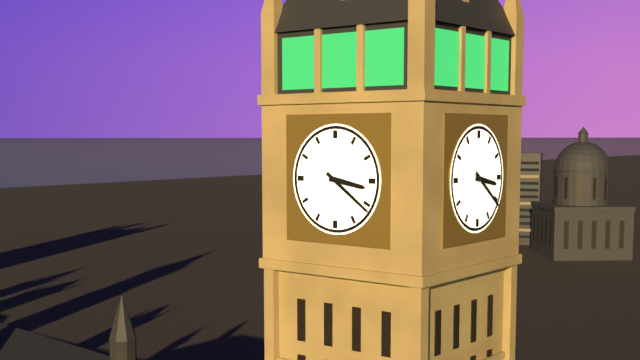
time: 3:21
